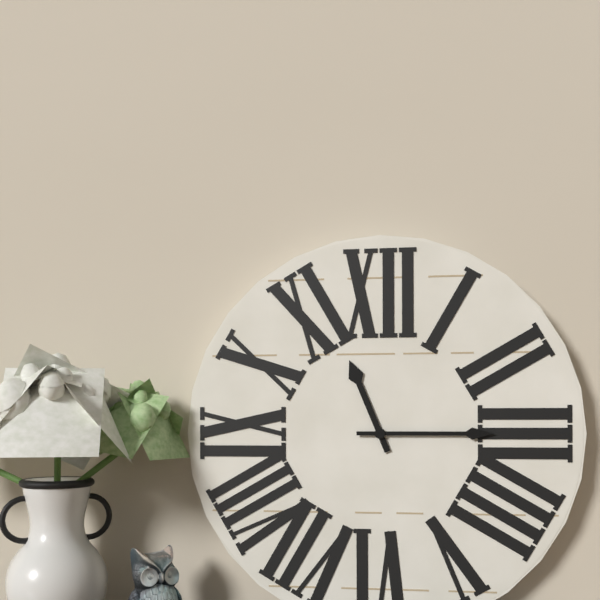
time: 11:15
